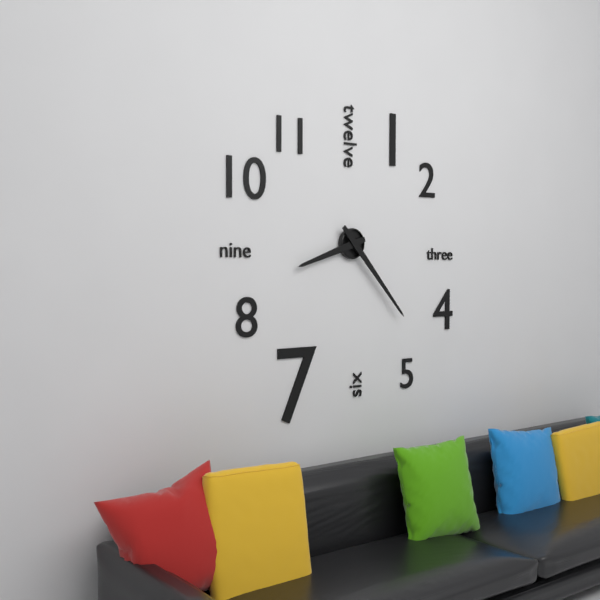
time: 8:23
